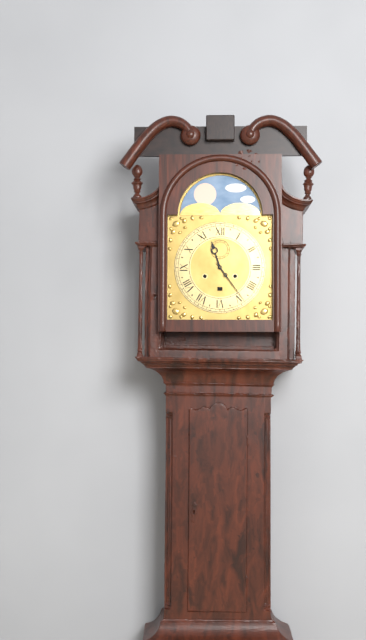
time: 11:24
